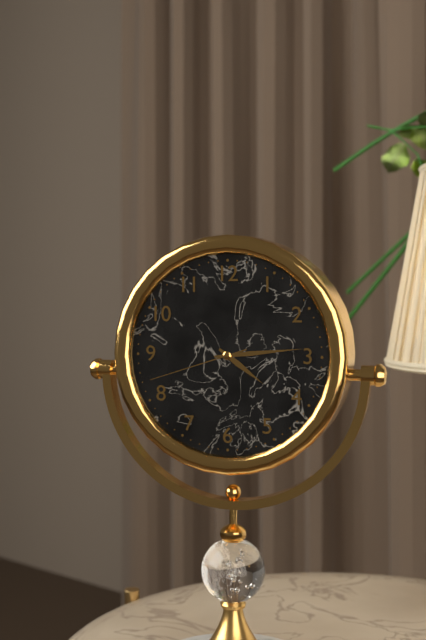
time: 4:14:42
